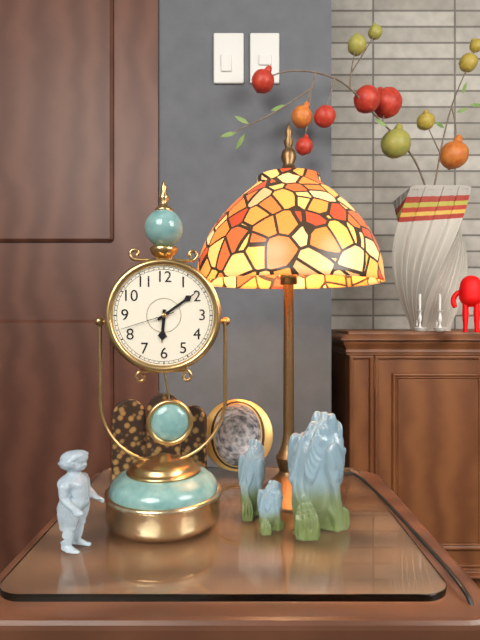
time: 6:09:42
